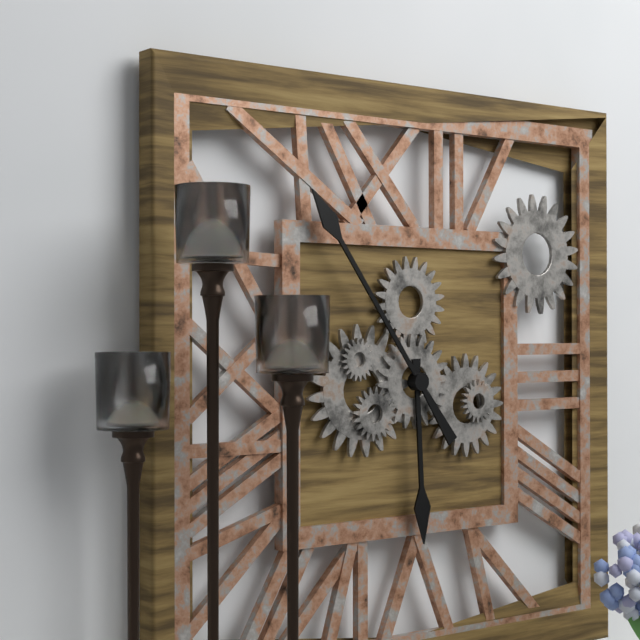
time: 5:54
